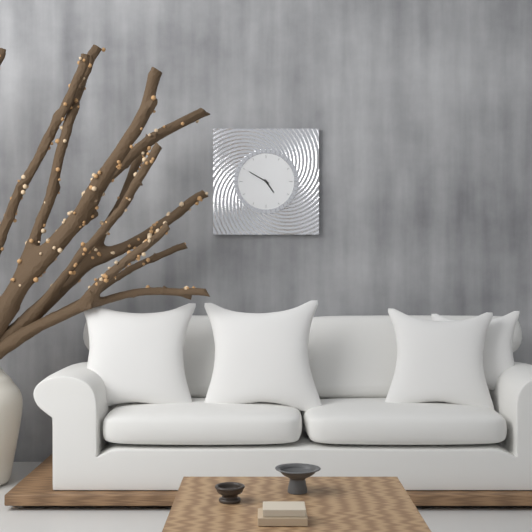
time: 4:50
